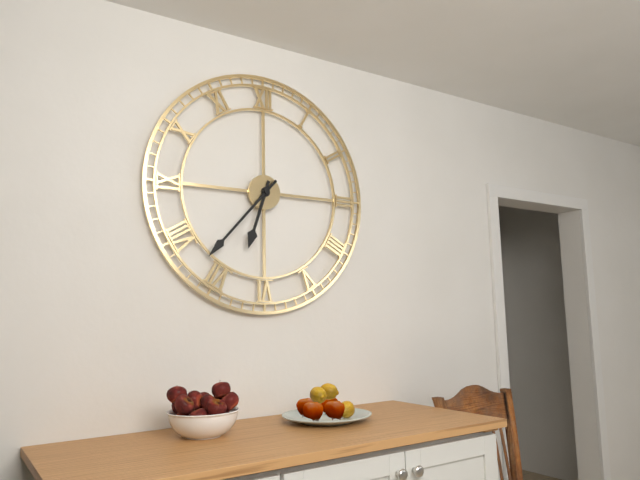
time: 6:37
